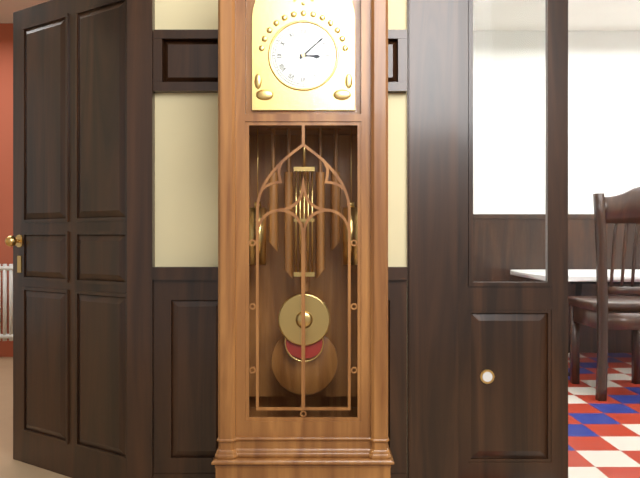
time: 3:08
